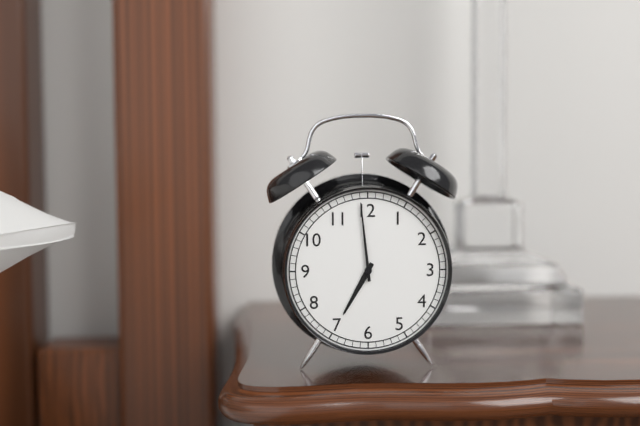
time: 6:59
